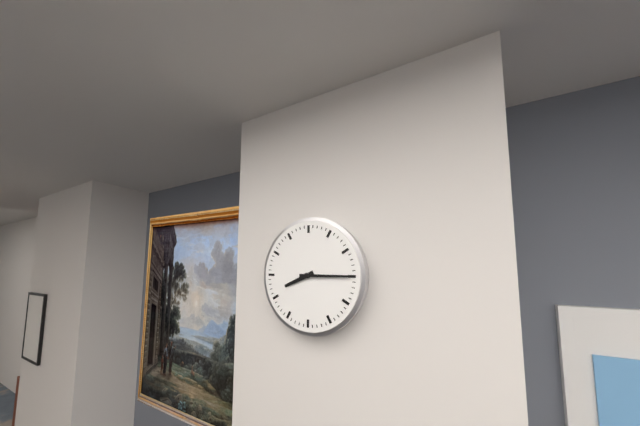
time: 8:15
